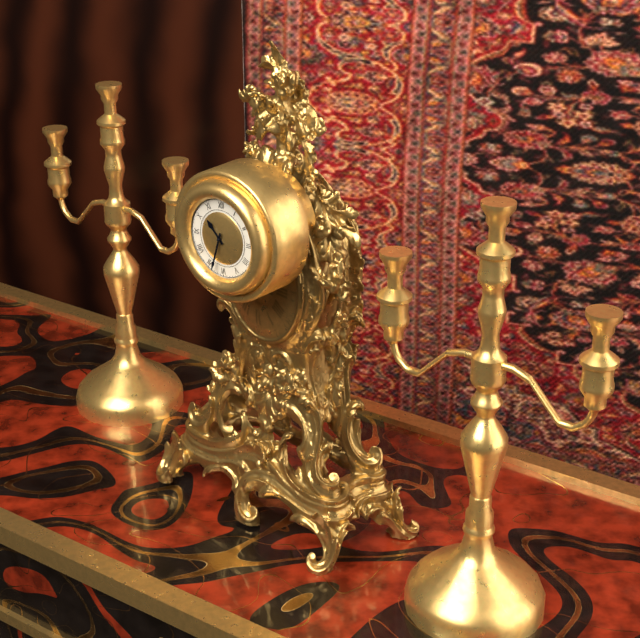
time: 10:33
